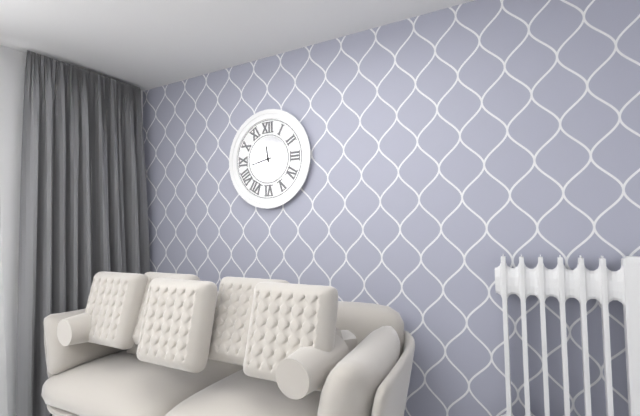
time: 11:43
